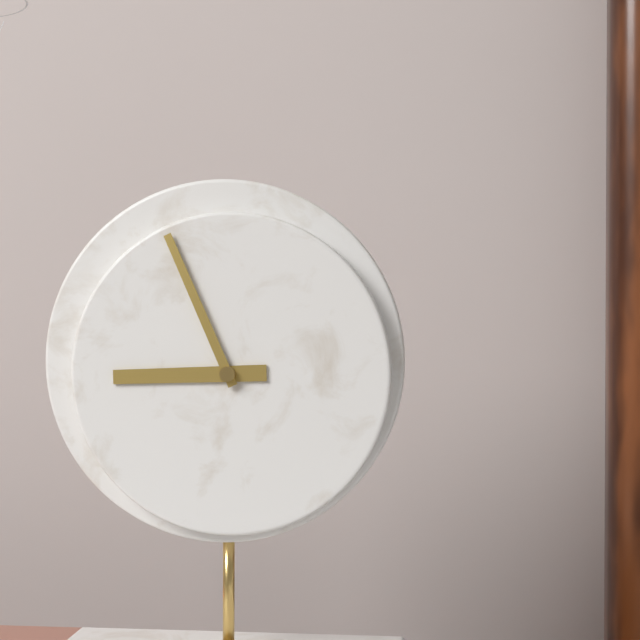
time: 8:56
